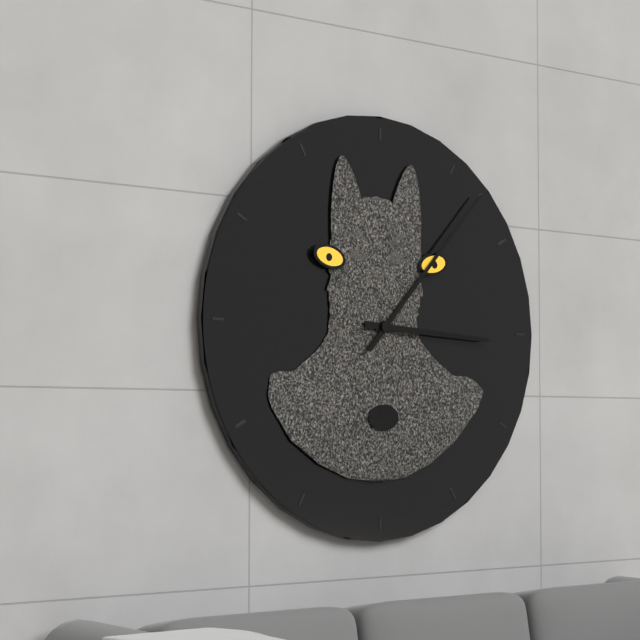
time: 3:07
